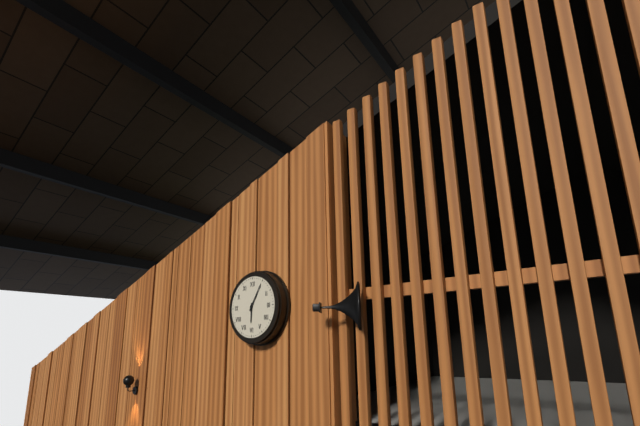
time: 6:05
